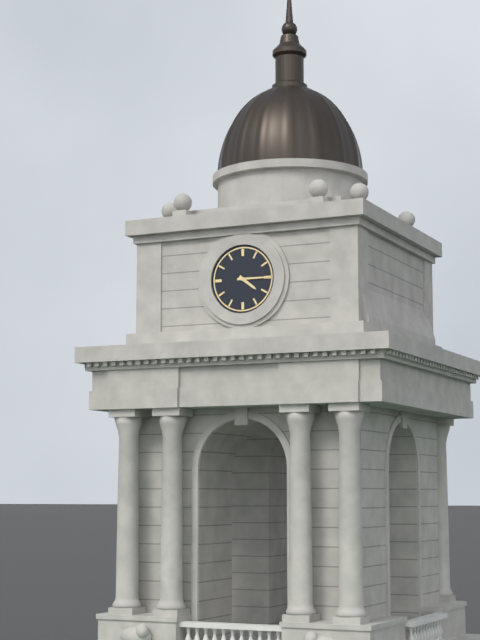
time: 4:15
